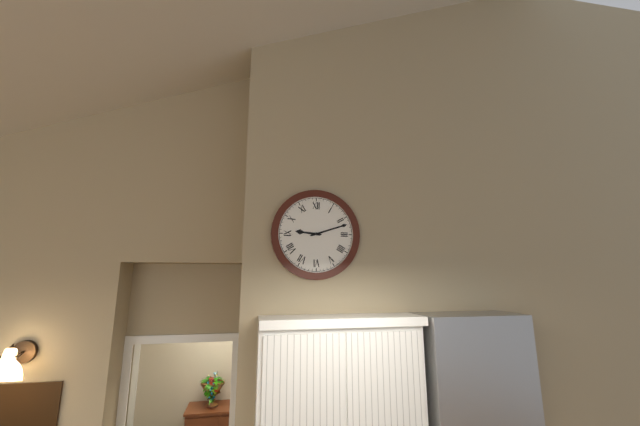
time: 9:12
